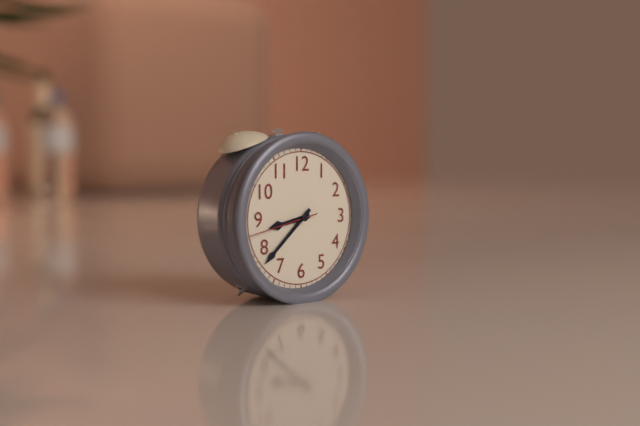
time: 8:38:43
